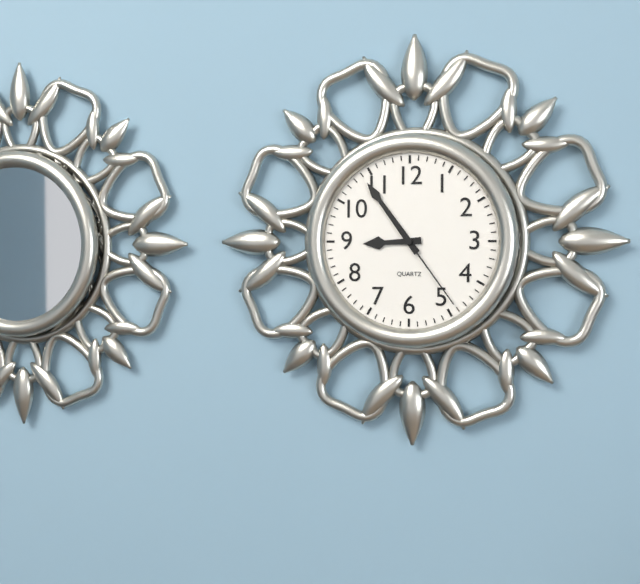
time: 8:54:24
